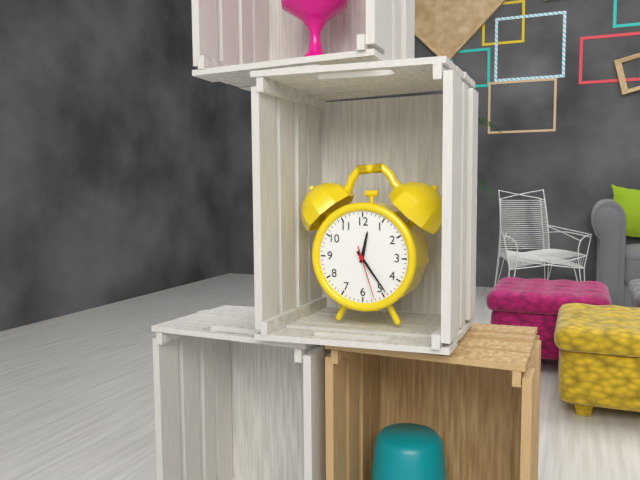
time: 12:24:27
